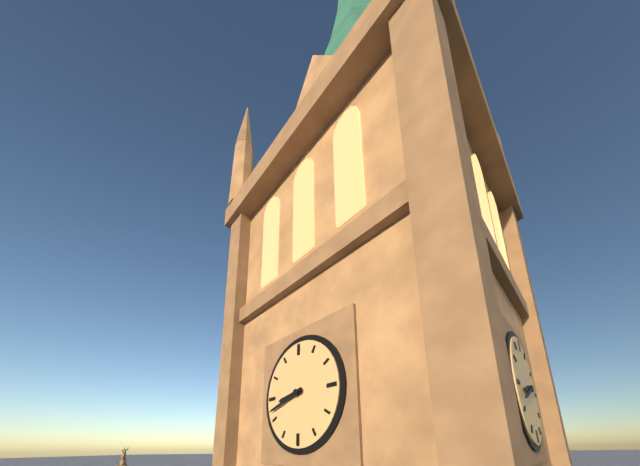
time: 8:42
